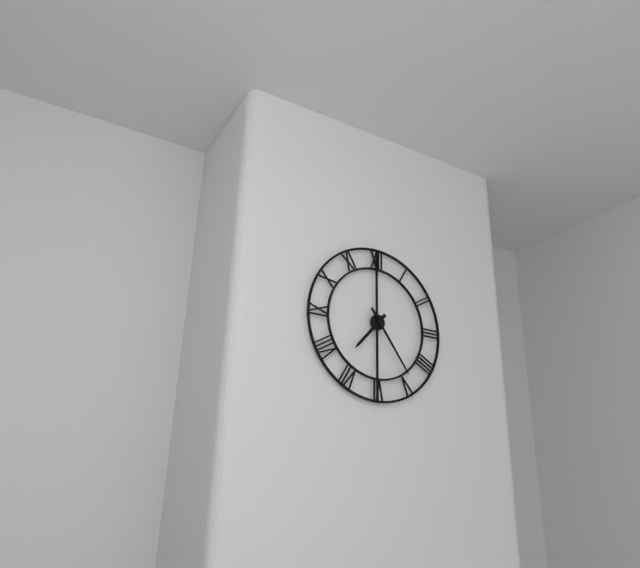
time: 7:24
